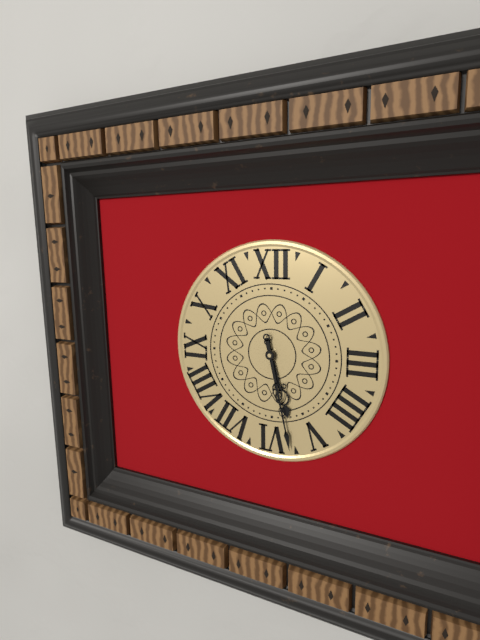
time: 5:28
